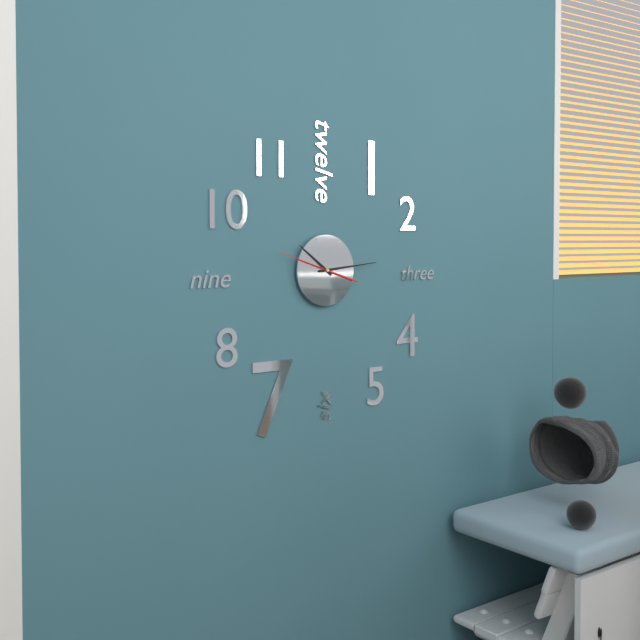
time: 10:14:48
